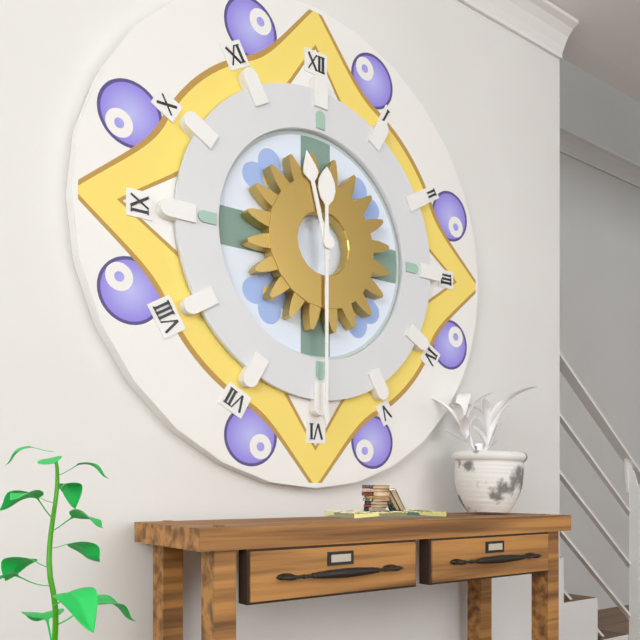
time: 11:30
